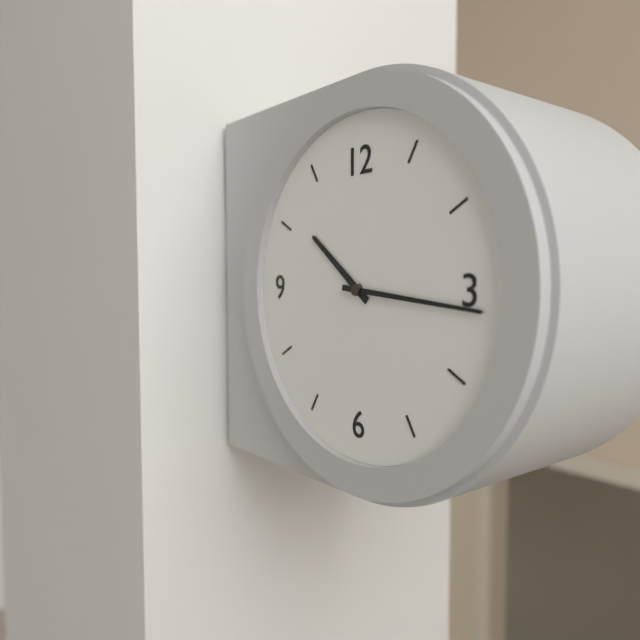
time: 10:16
